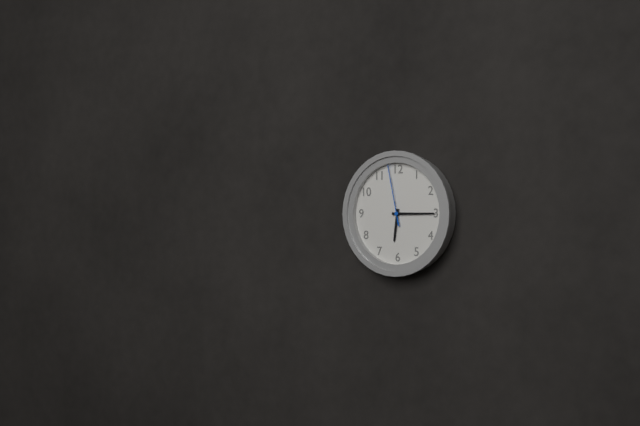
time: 6:15:58
